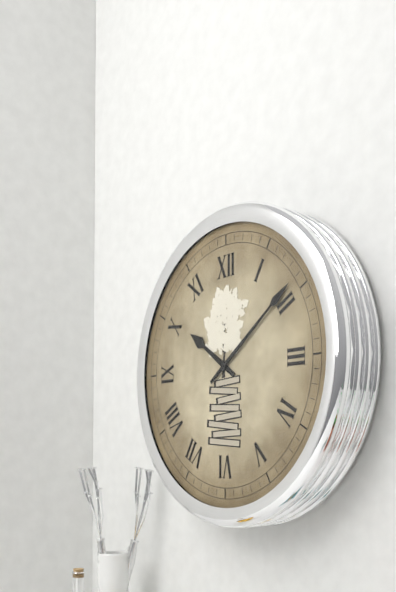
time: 10:09
